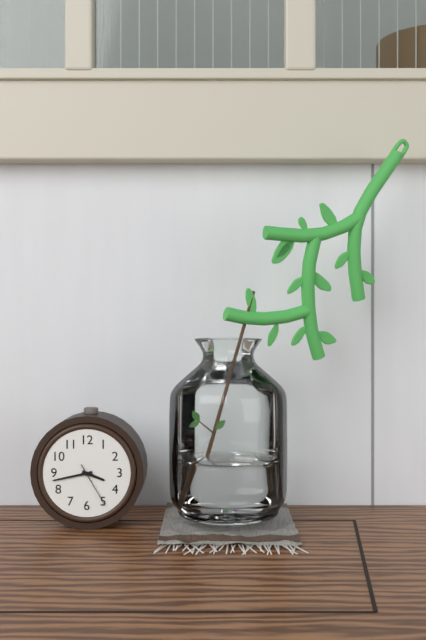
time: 3:43
